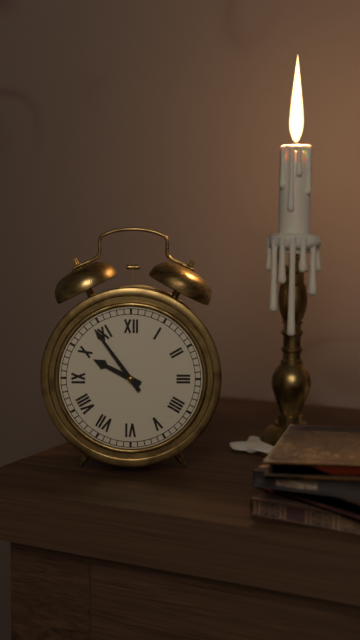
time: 9:54
